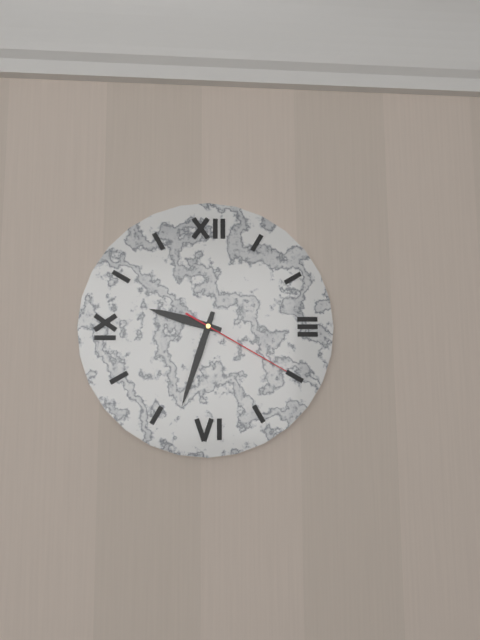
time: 9:33:20
